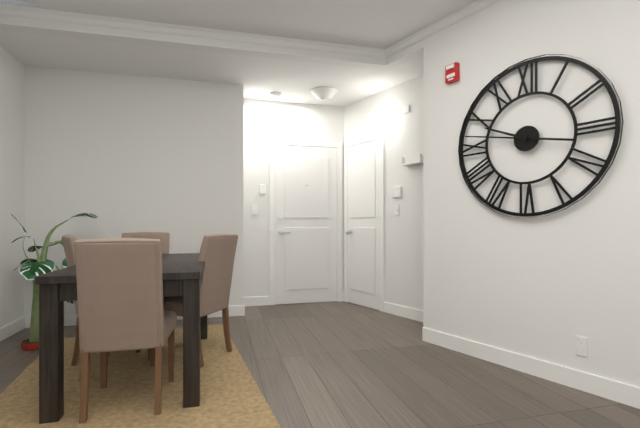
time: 9:47
